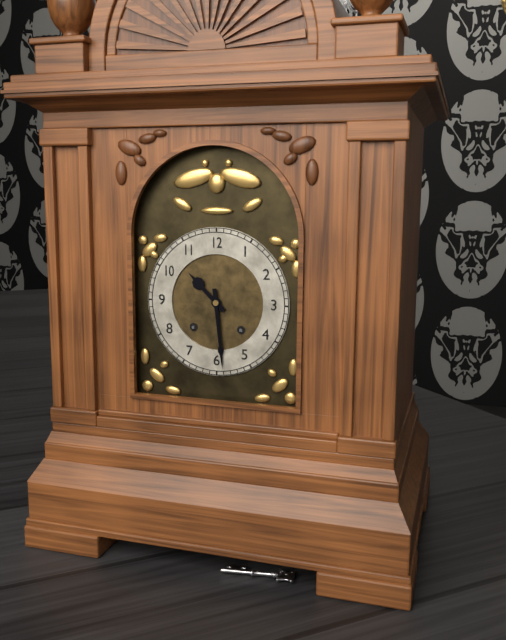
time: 10:29
